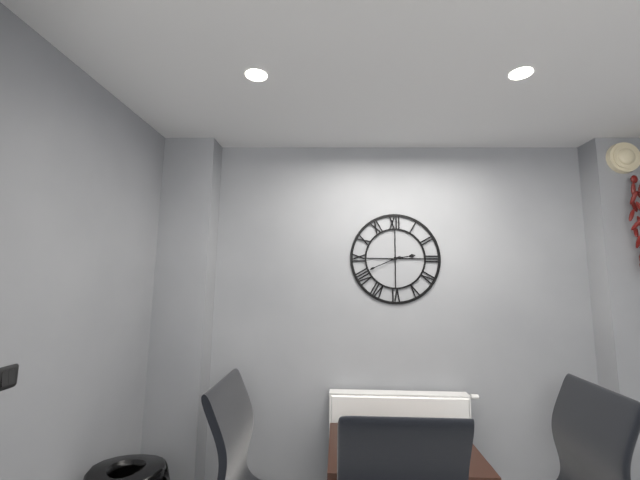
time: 2:41
